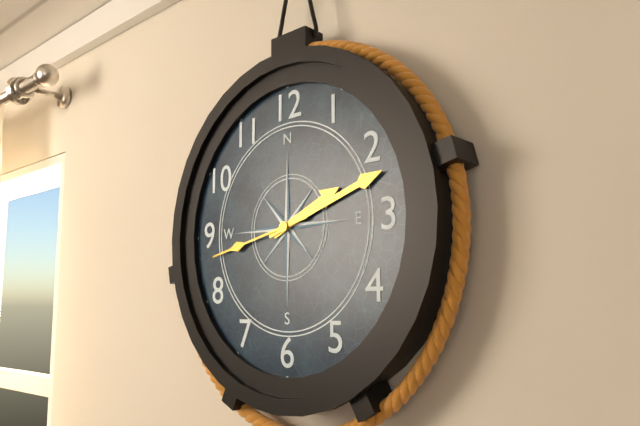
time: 2:12:43
